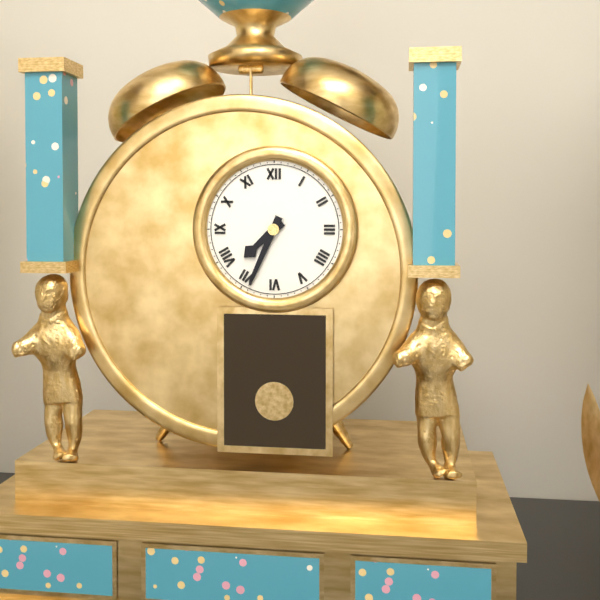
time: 7:34
